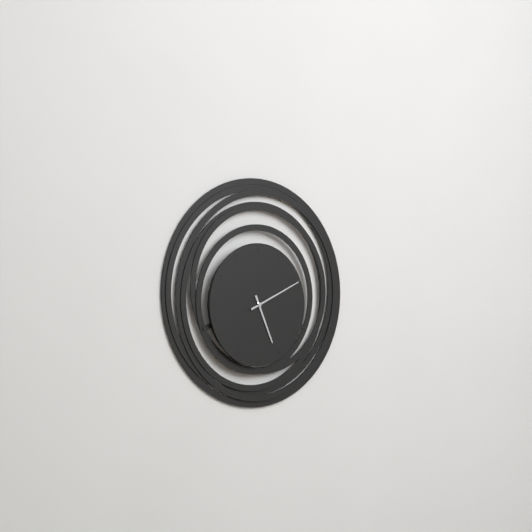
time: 5:11
